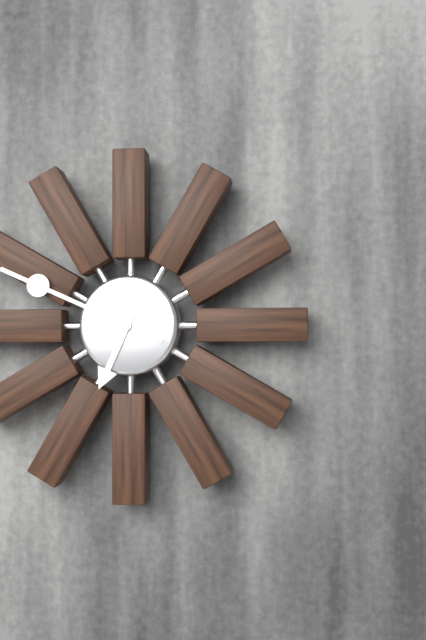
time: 6:49
